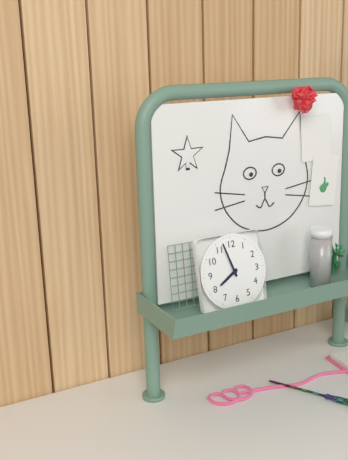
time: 7:57
